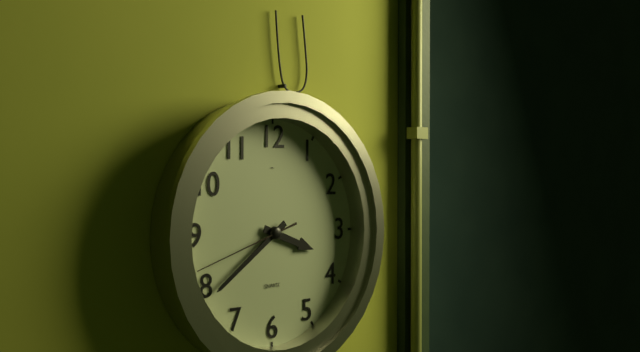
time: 3:39:42
